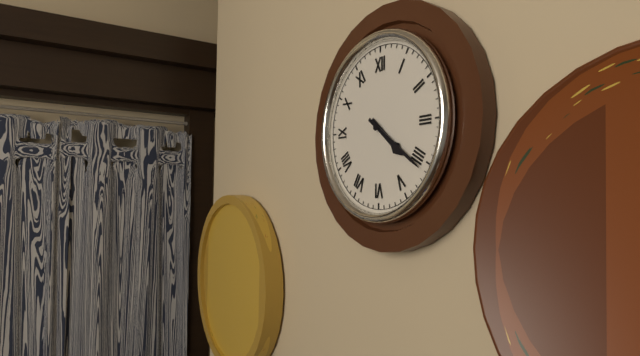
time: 4:21
